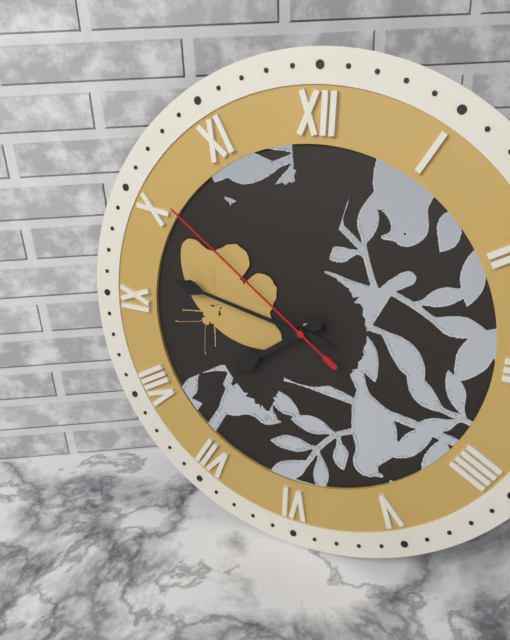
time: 7:47:51
